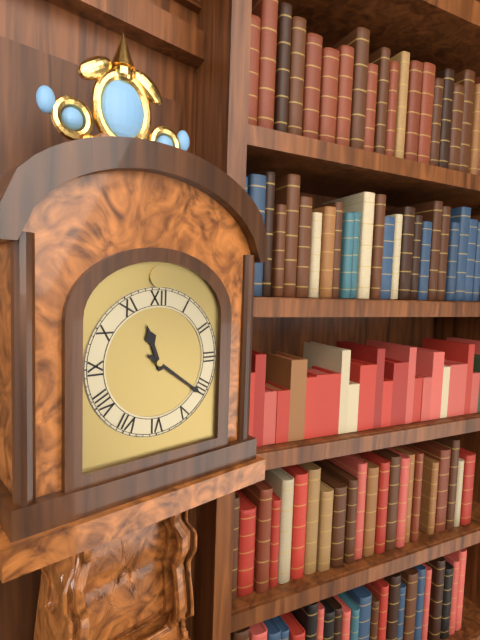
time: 11:21
